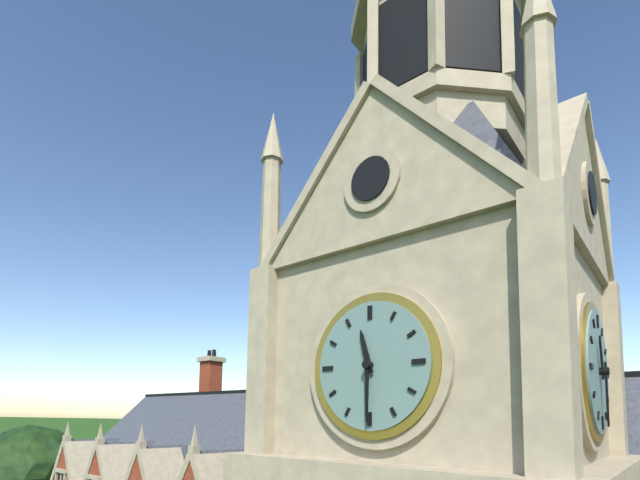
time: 11:30
